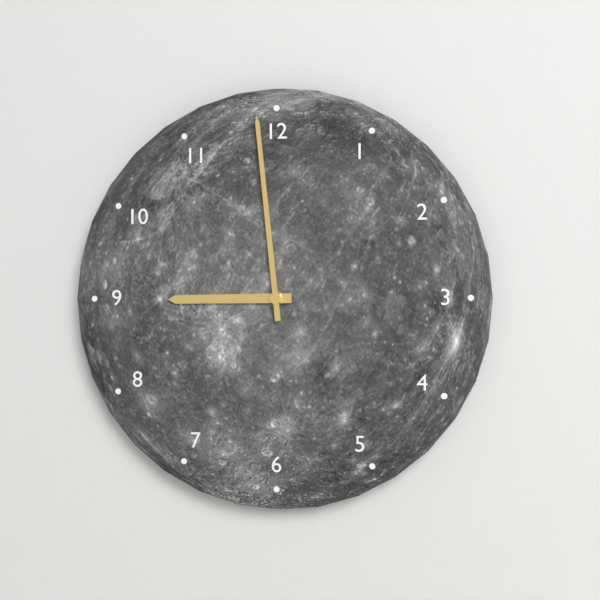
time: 8:59
